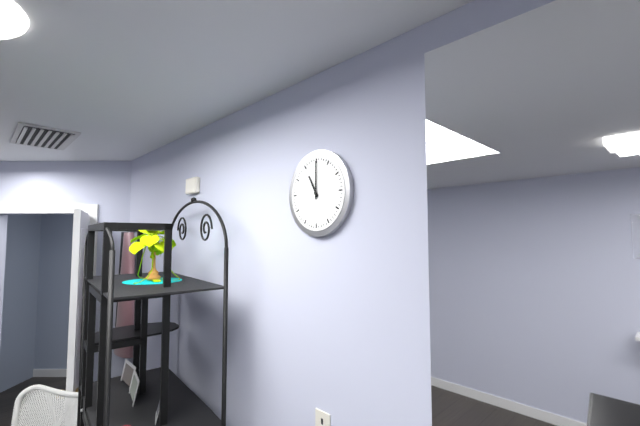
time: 11:00
